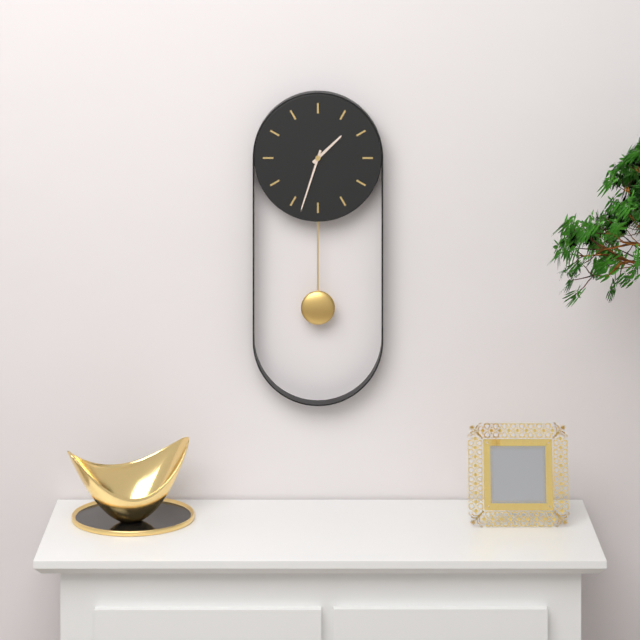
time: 1:33
